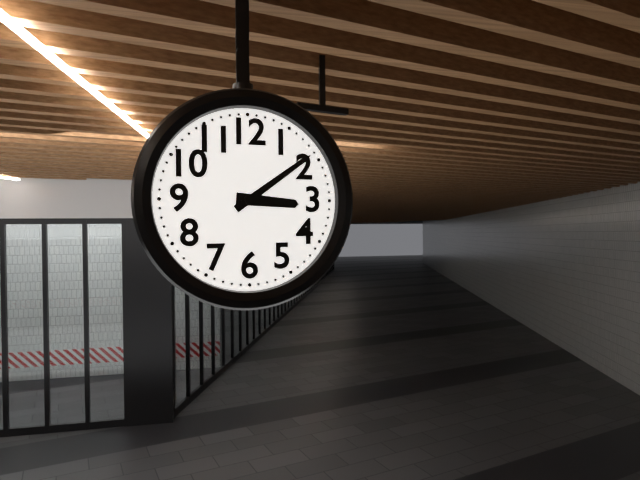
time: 3:09
